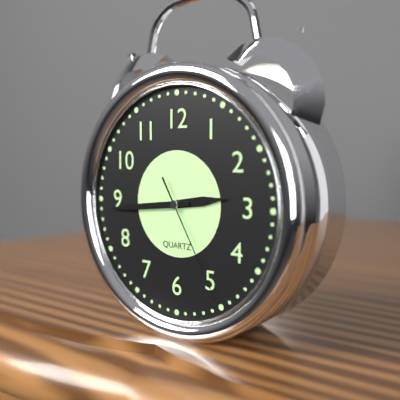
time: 2:44:25
